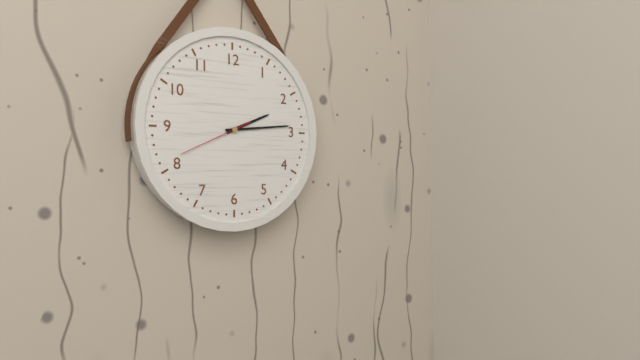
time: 2:14:41
